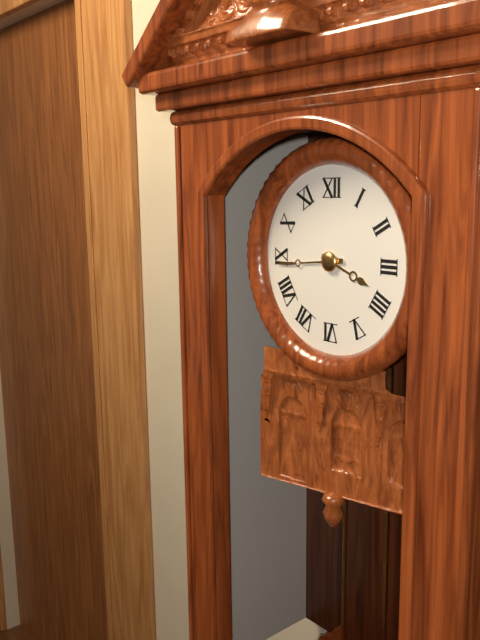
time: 3:44
